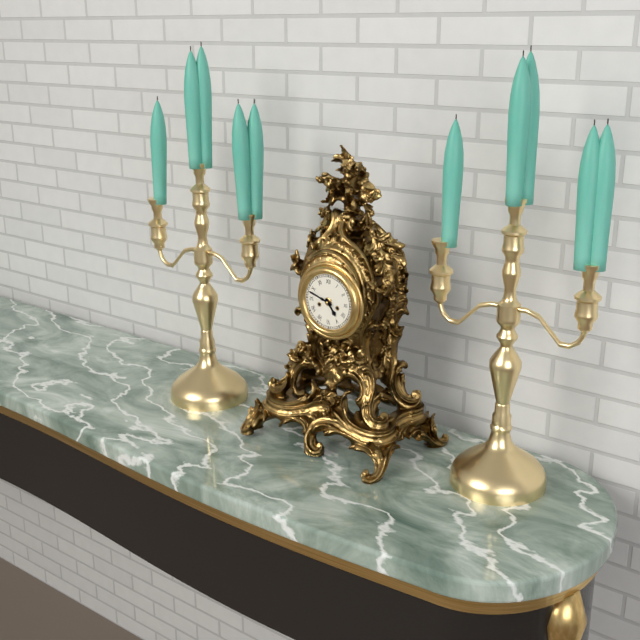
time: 4:48
